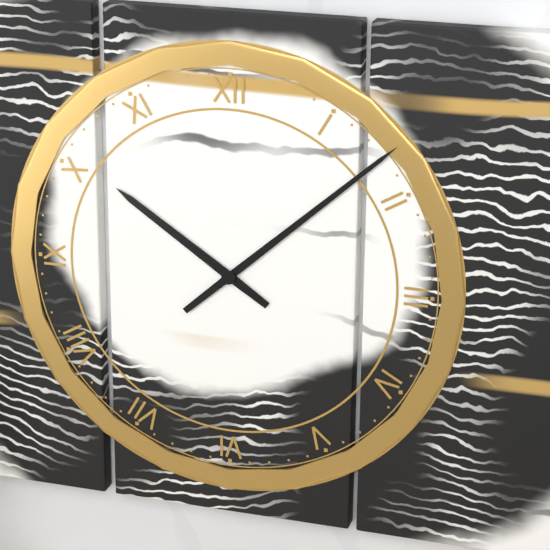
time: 10:08
